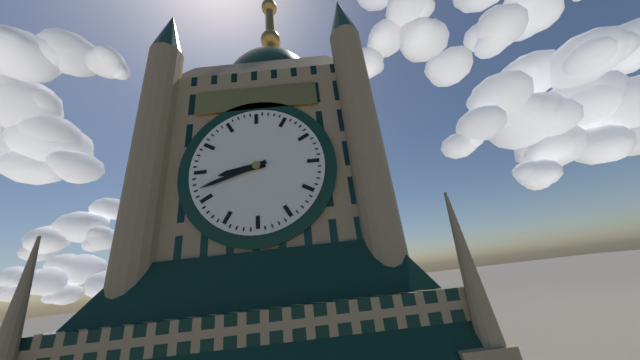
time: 8:42
